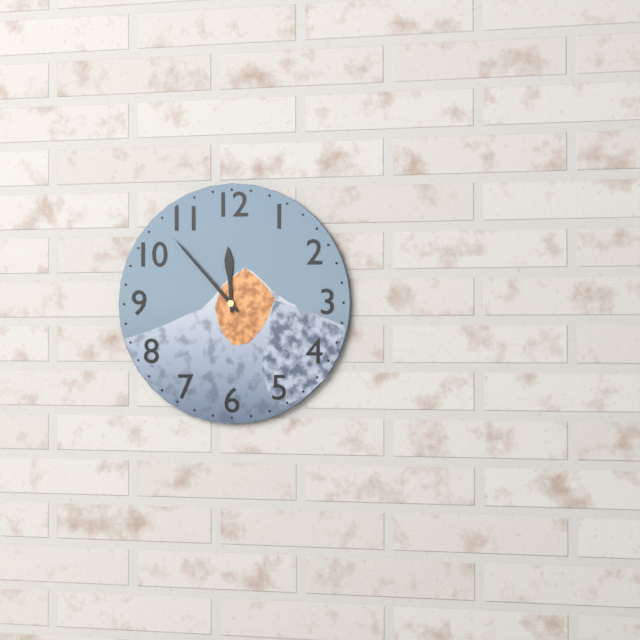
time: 11:53
